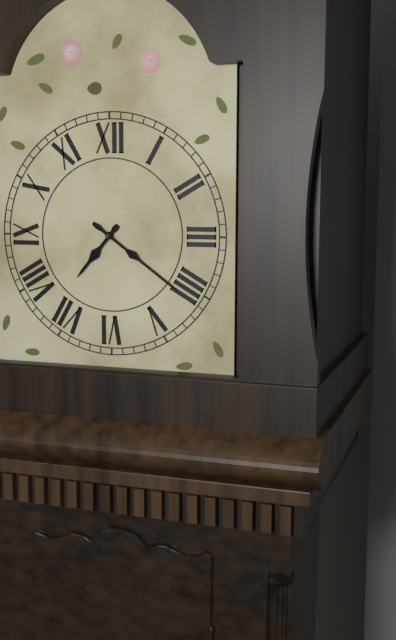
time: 7:21
